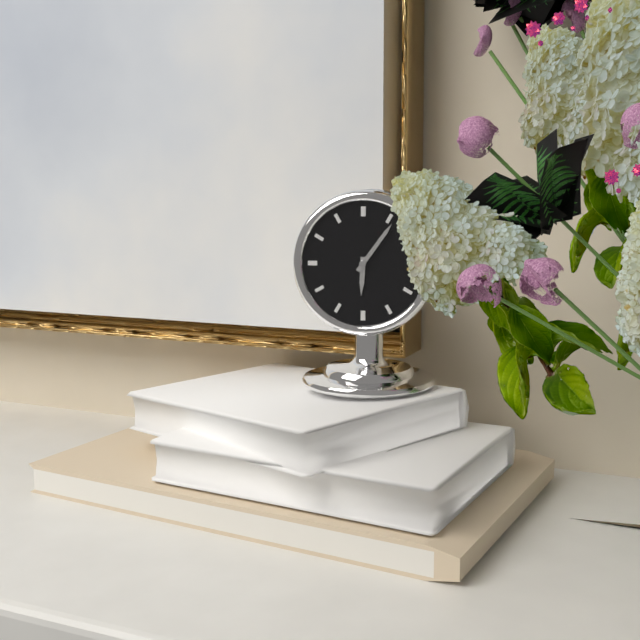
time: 6:06
